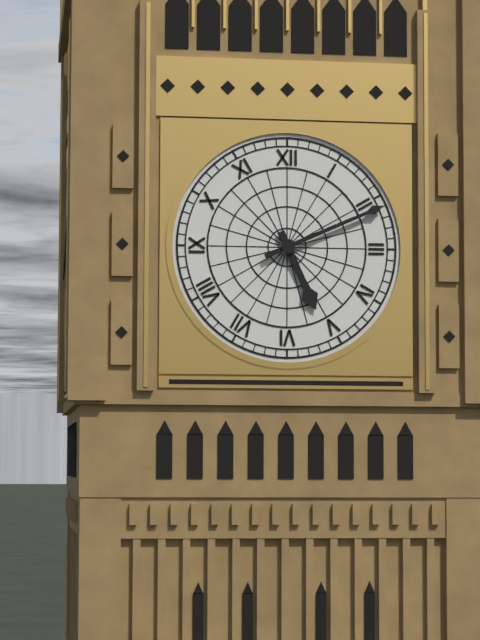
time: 5:11
